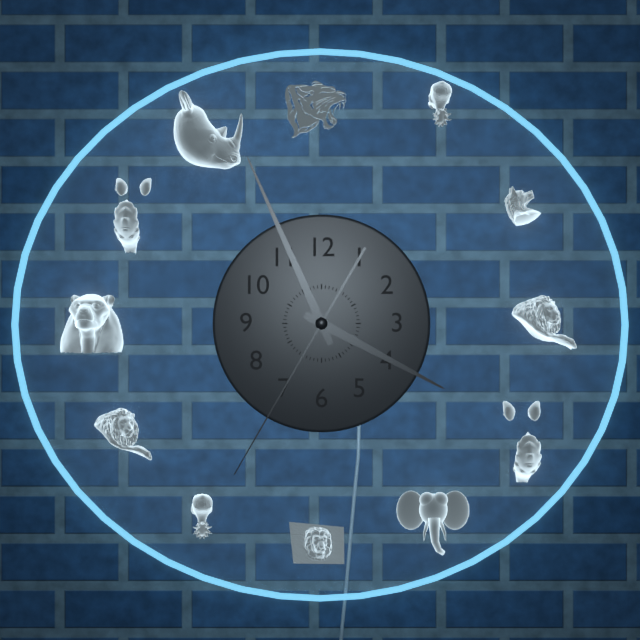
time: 3:56:35
